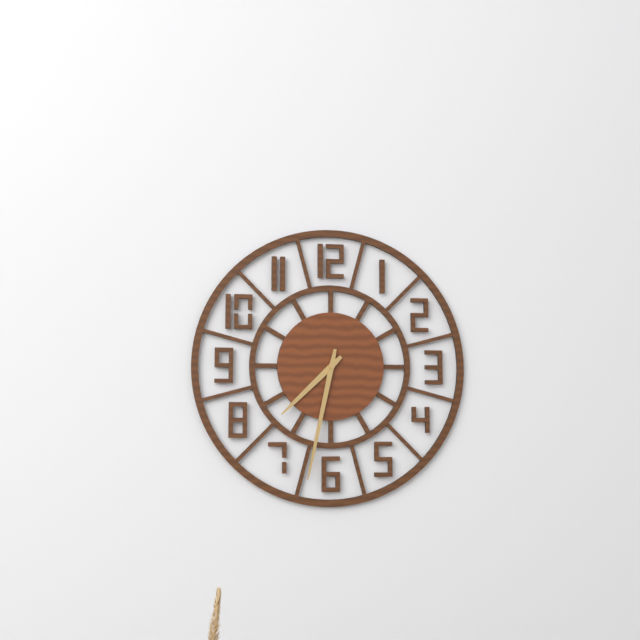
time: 7:32
